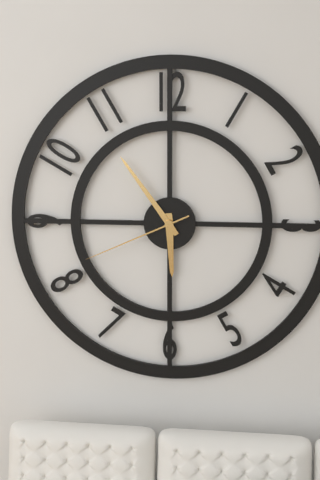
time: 5:54:41
